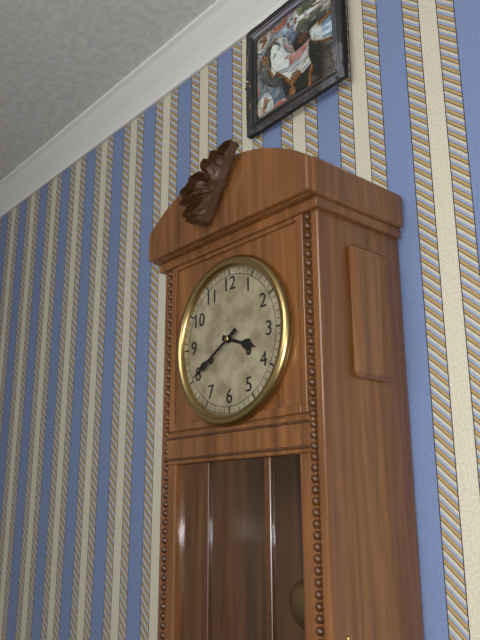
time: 3:40
